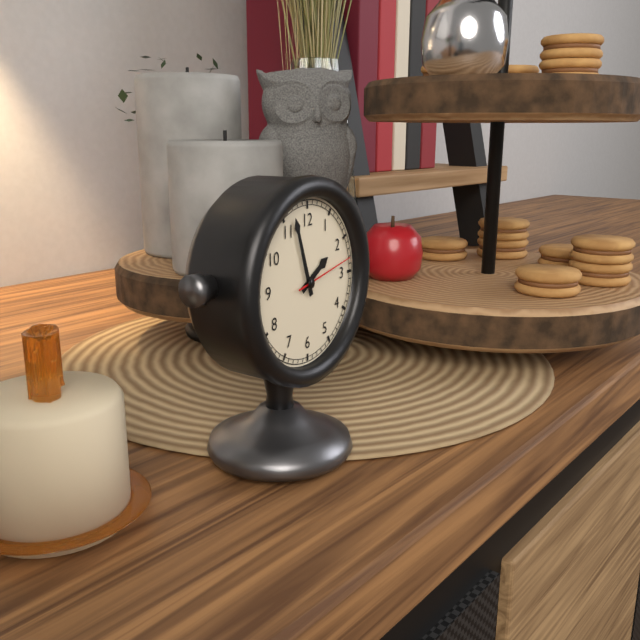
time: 1:57:13
